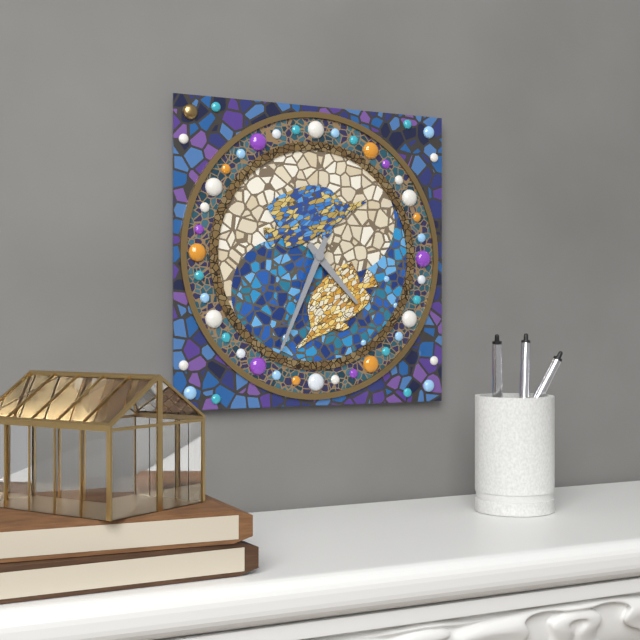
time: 4:34
